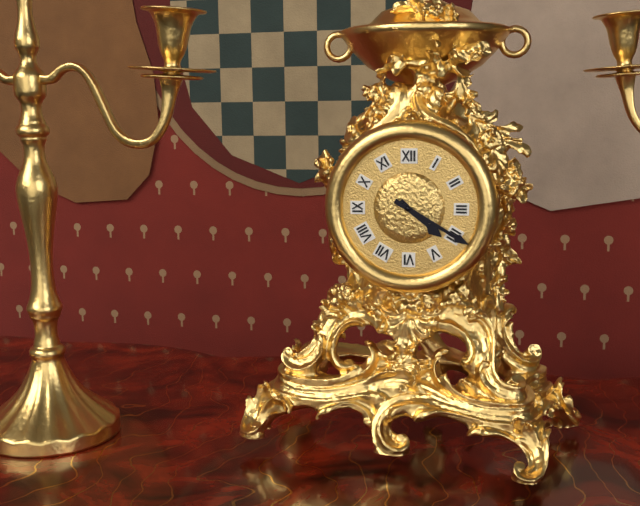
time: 4:20
